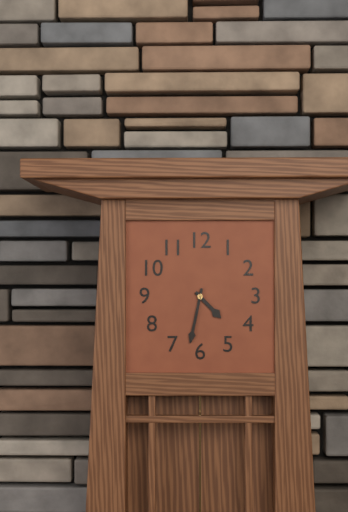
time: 4:32
